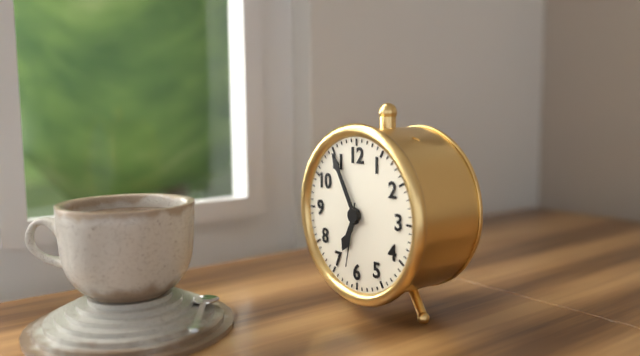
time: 6:55:32
